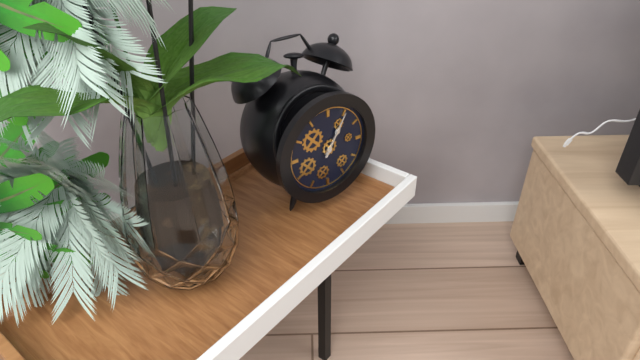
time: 1:05
